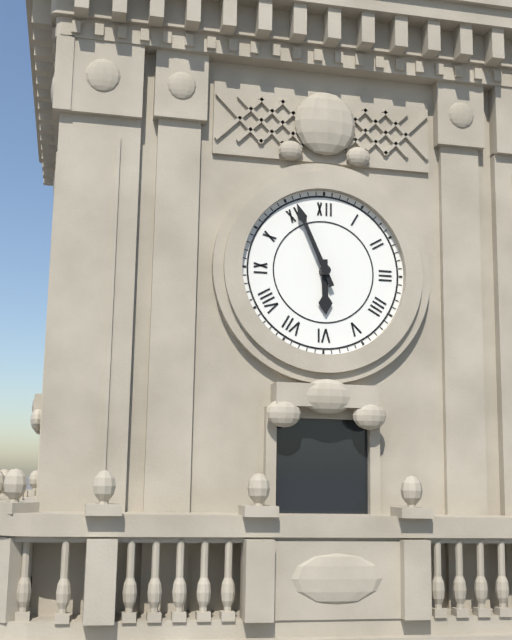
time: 5:56
